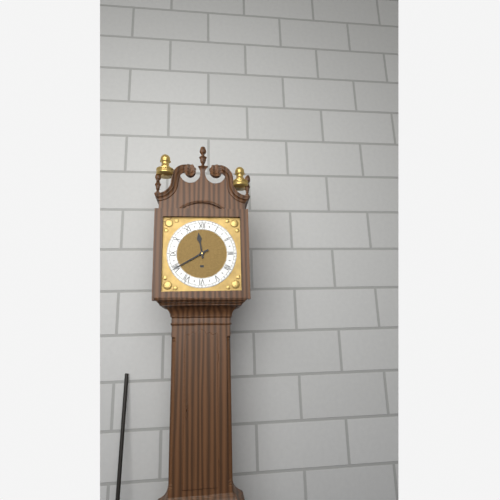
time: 11:40
